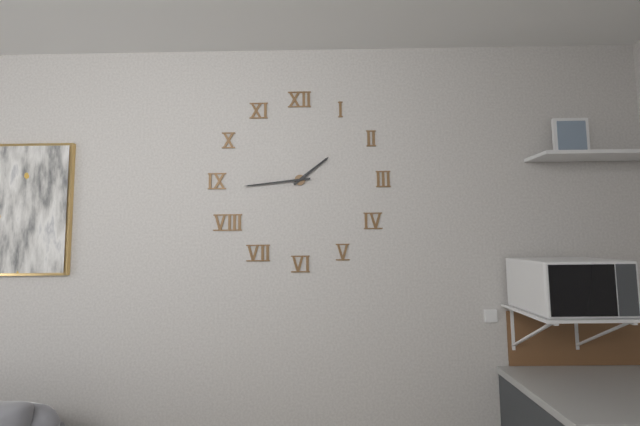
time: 1:44
